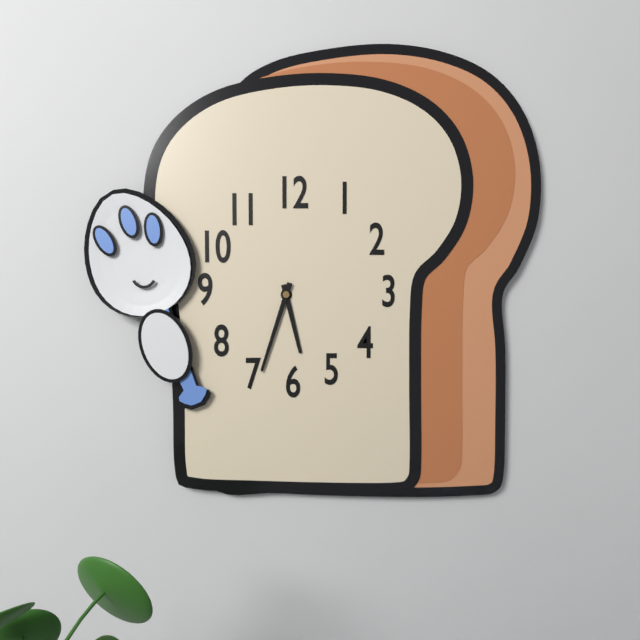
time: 5:33
